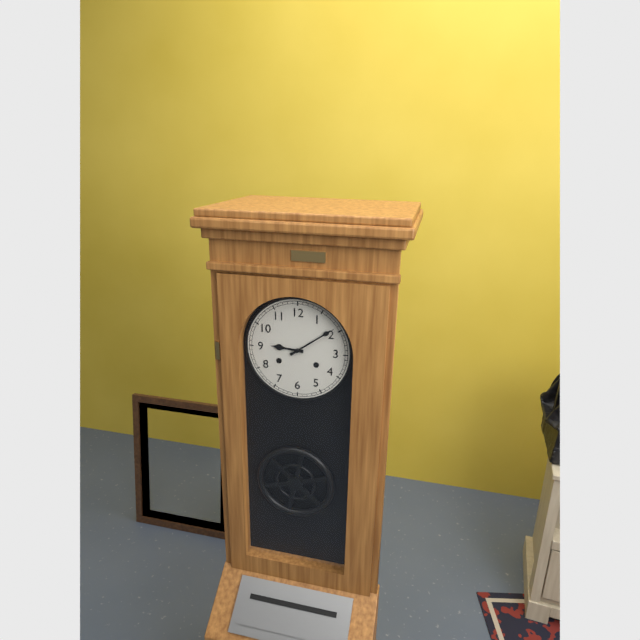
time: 9:09
